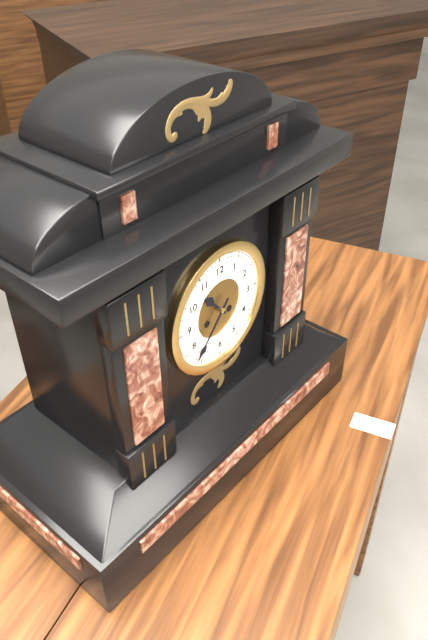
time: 10:37
